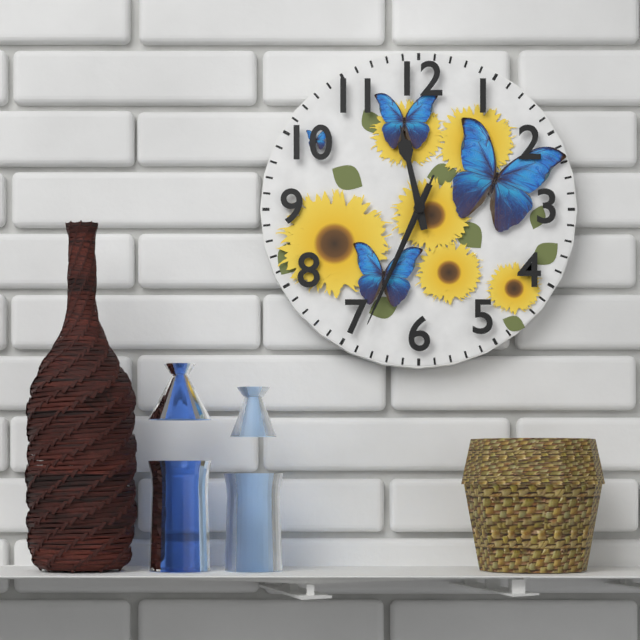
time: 11:34:34
